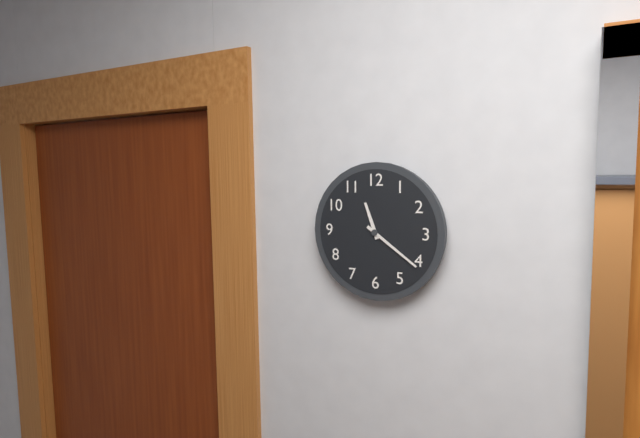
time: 11:21
